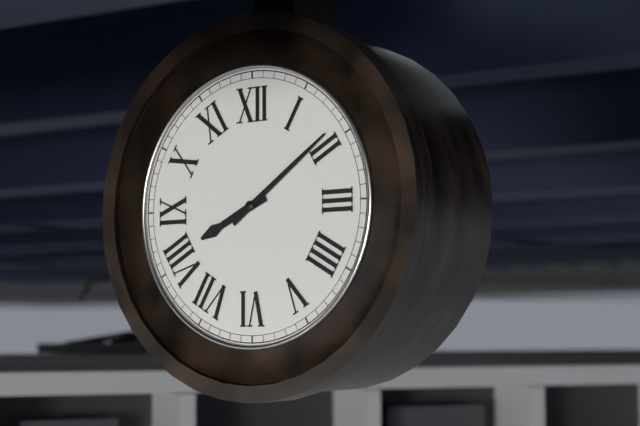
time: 8:09
